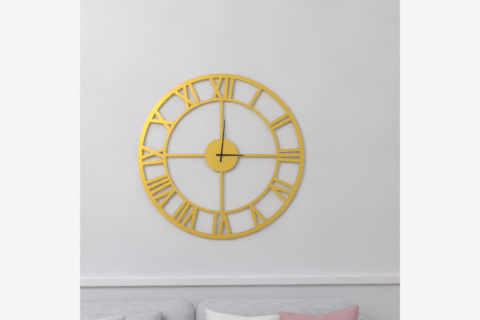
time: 3:01
